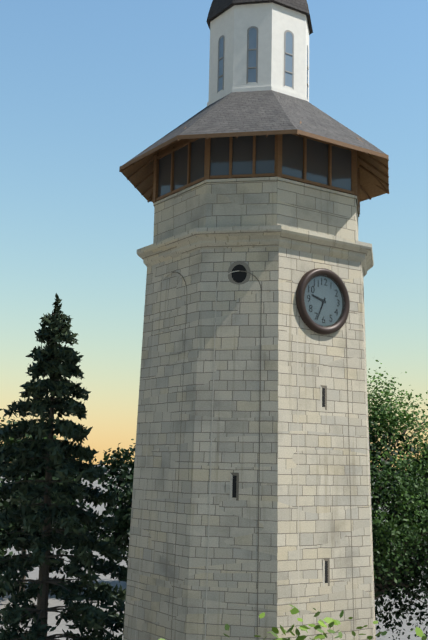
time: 9:34
